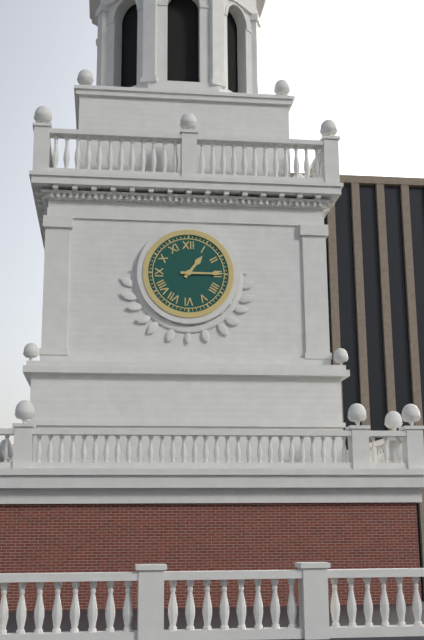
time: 1:15
